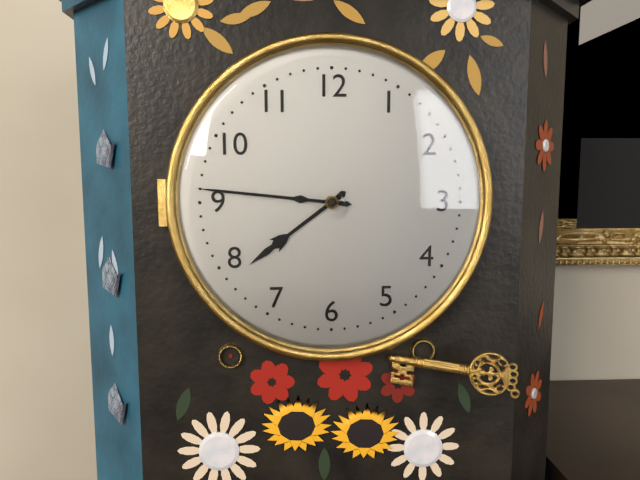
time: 7:46
